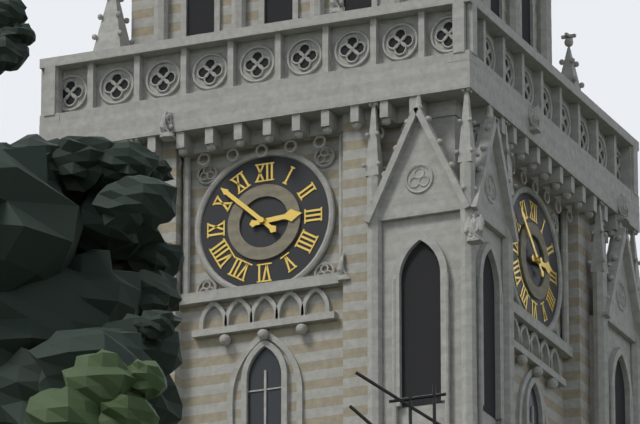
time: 2:52
